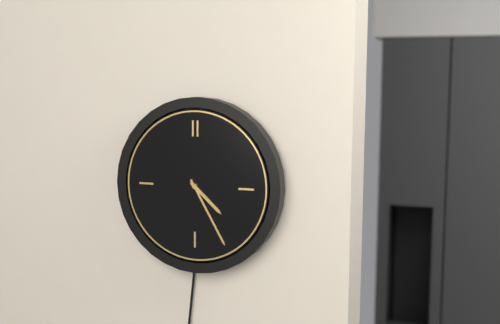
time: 4:25
